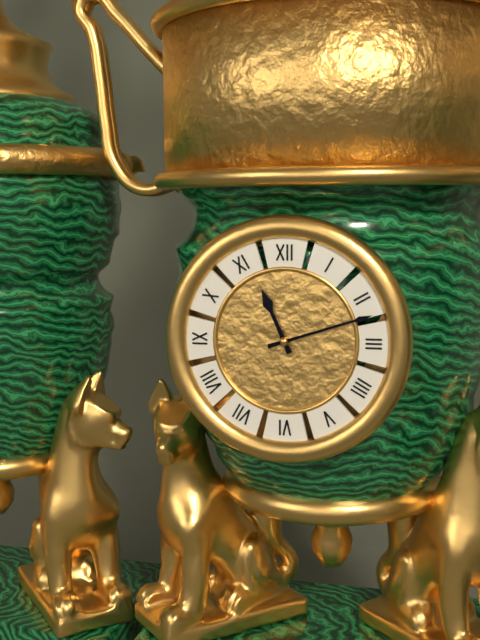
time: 11:12
